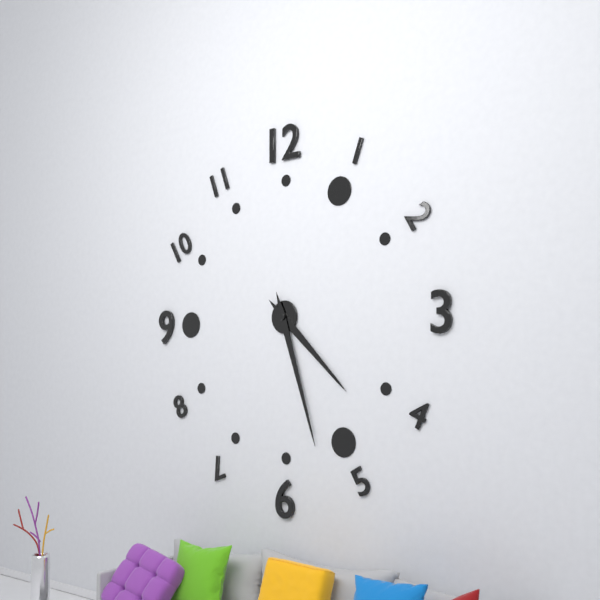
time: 4:27
